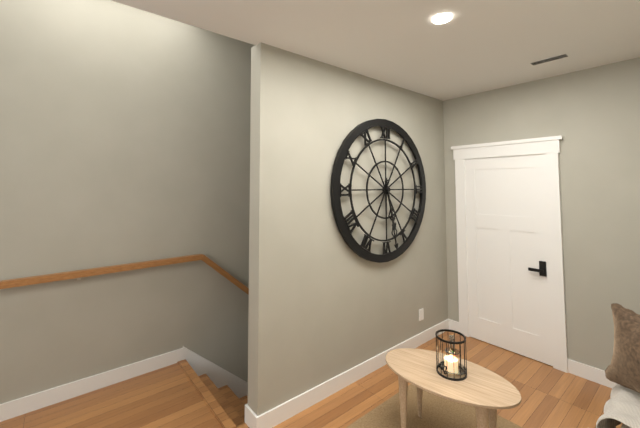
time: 5:28
